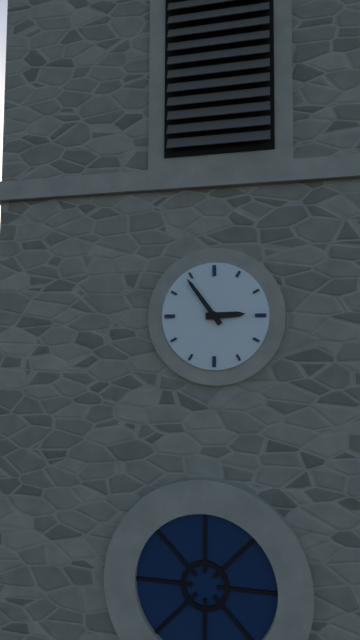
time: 2:54
